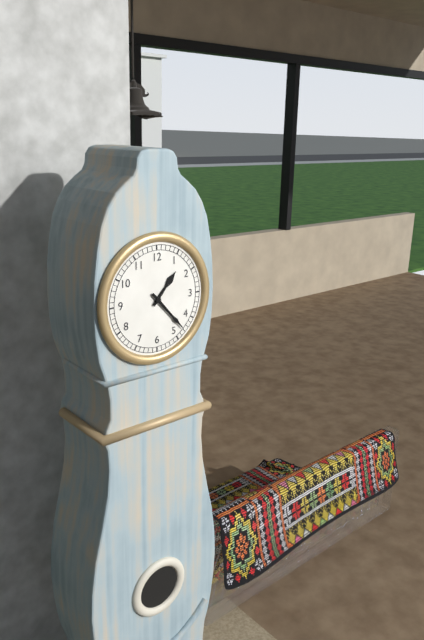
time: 1:23
